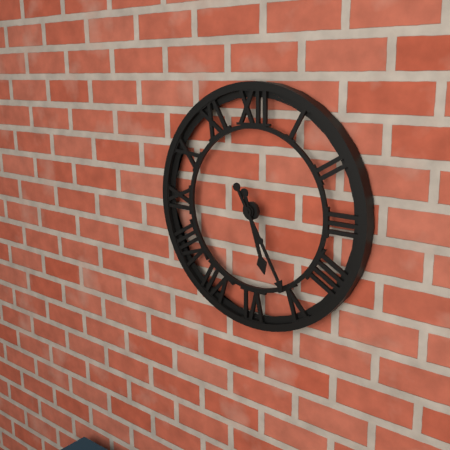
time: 5:25
